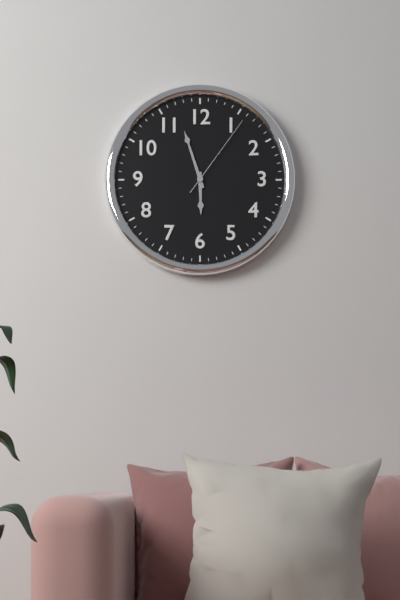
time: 5:57:06
